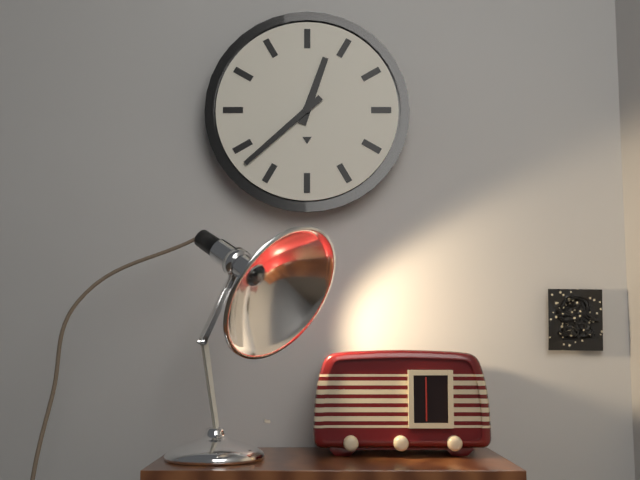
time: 12:38
